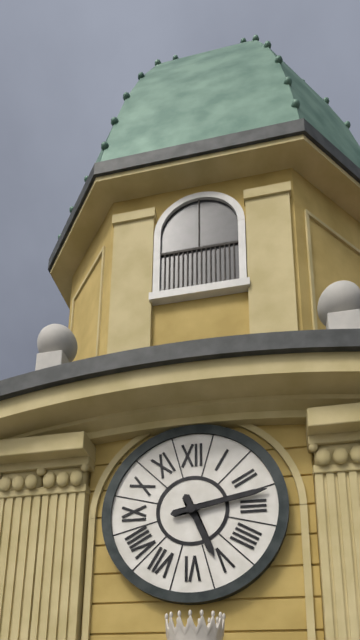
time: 5:13
